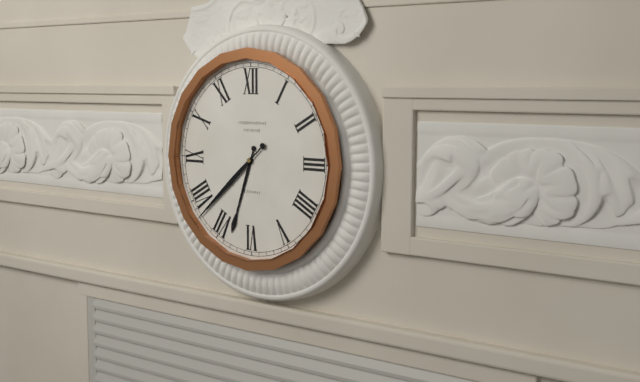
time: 6:38
